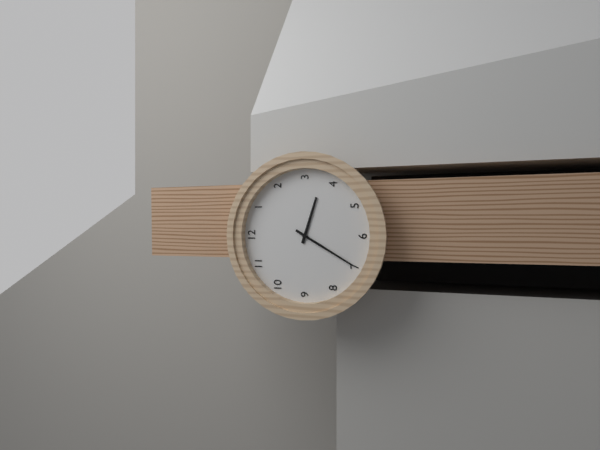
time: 3:35
